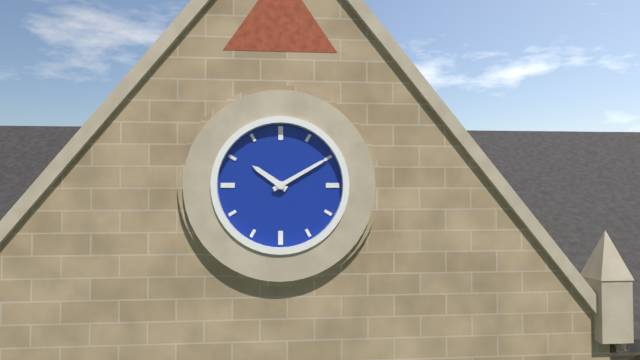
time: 10:10
